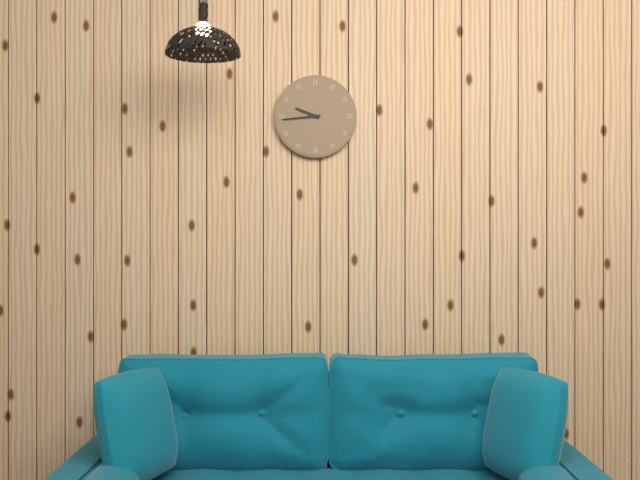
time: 9:44
